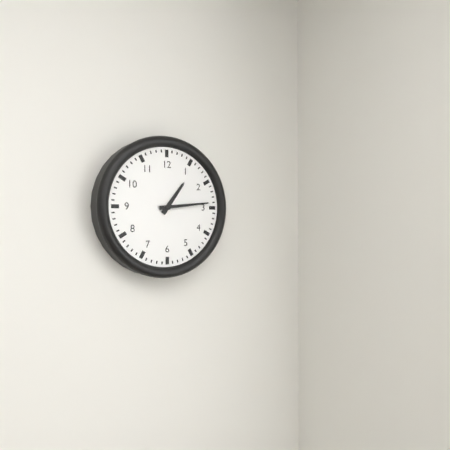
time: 1:14
